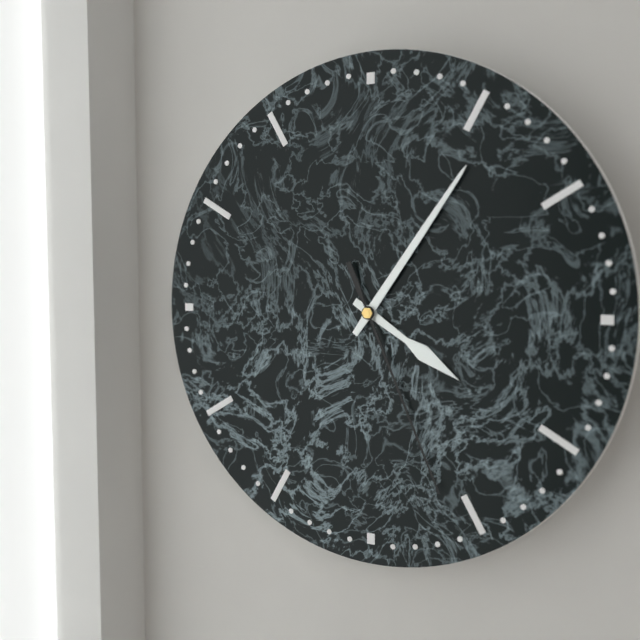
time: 4:06:26
